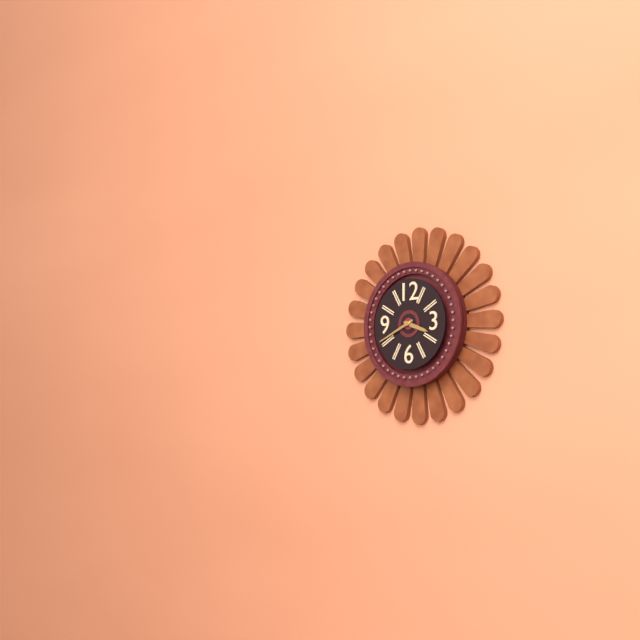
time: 3:41
